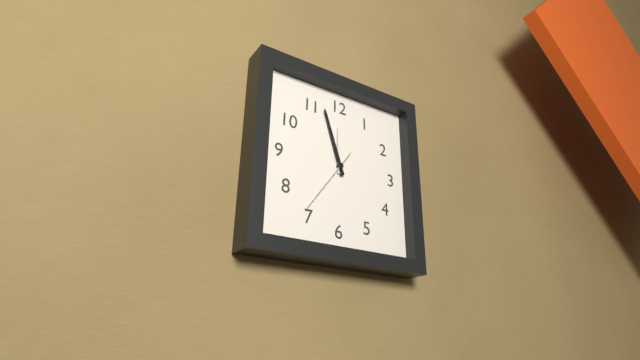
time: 11:57:36
